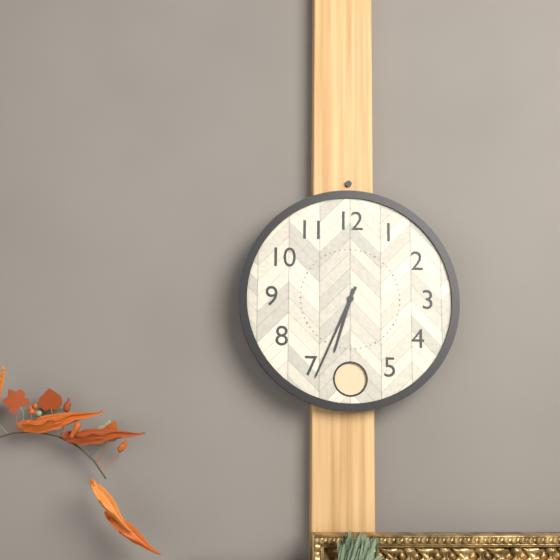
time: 6:34
